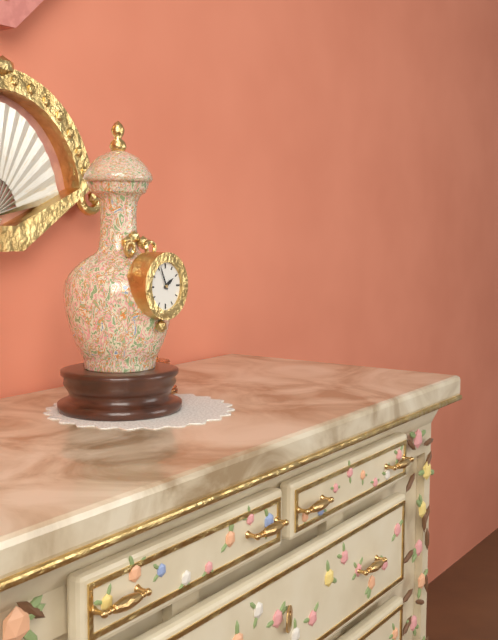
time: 1:56
